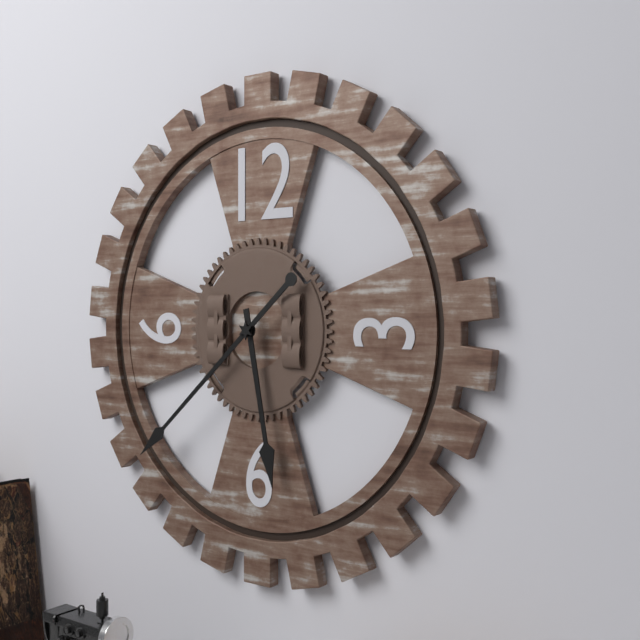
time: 5:38
